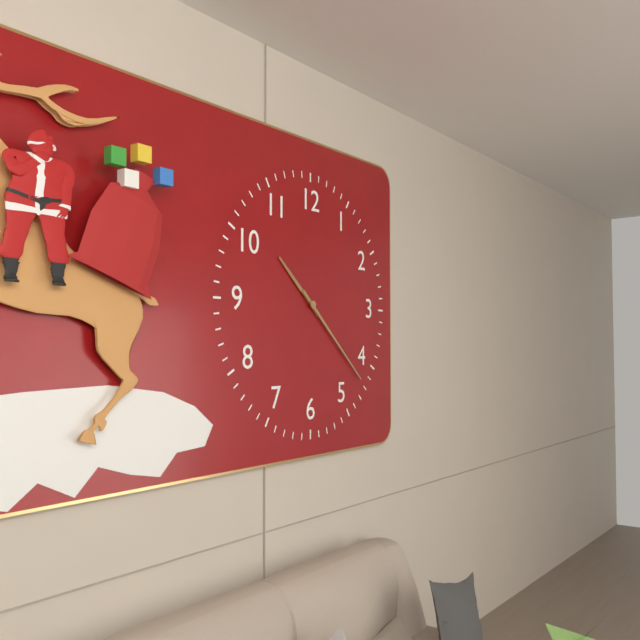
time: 10:22
